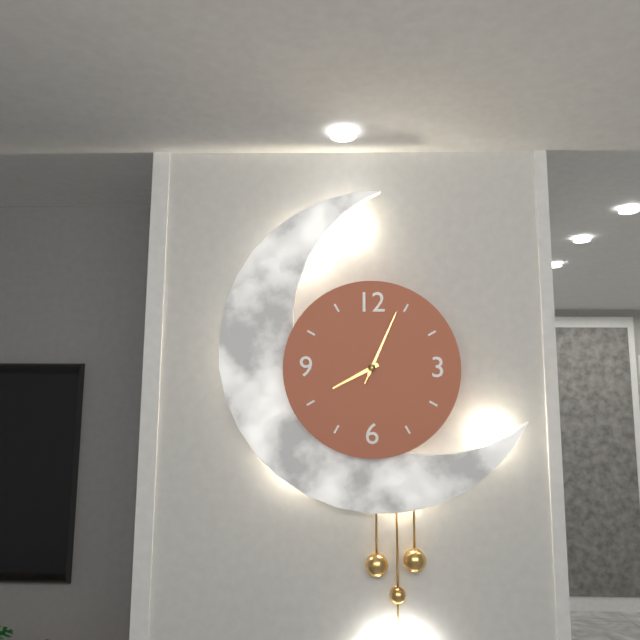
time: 8:04:04
